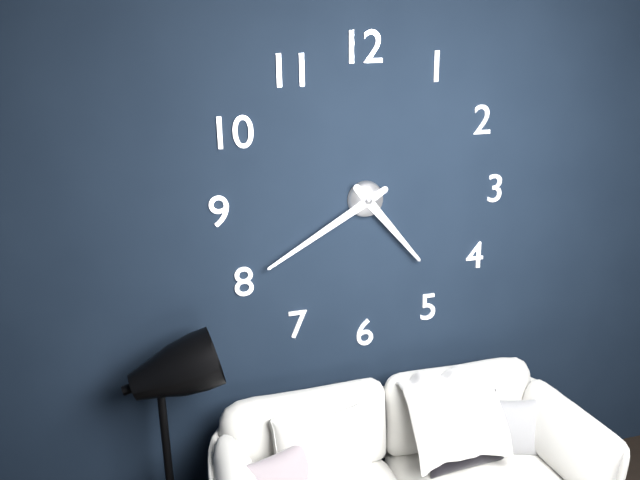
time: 4:40
